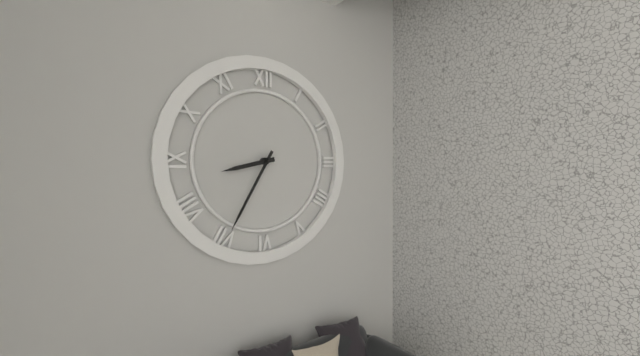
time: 8:35
